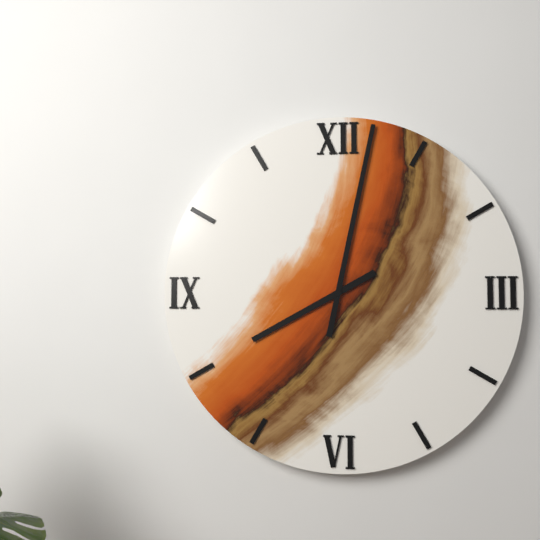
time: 8:02
